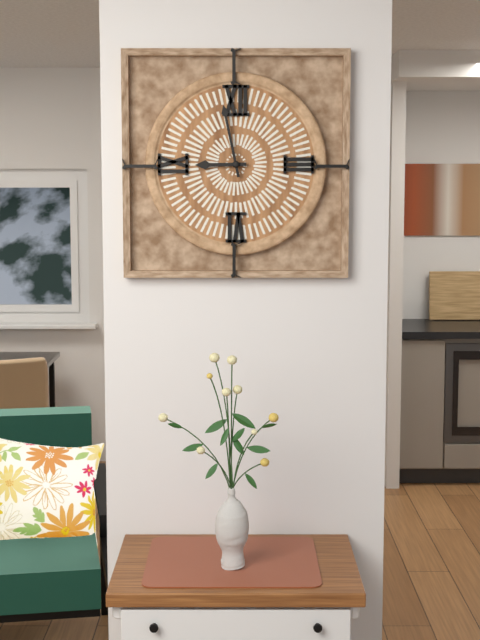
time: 8:58
